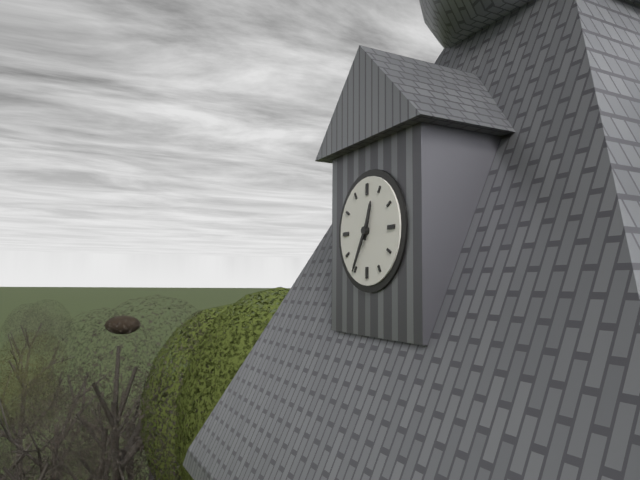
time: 12:35
